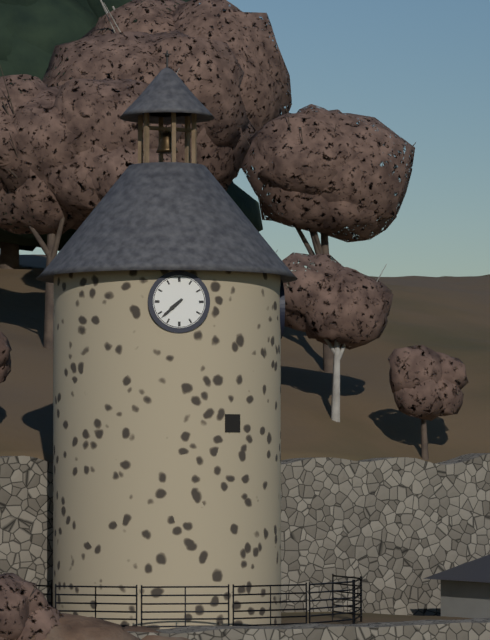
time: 7:38
